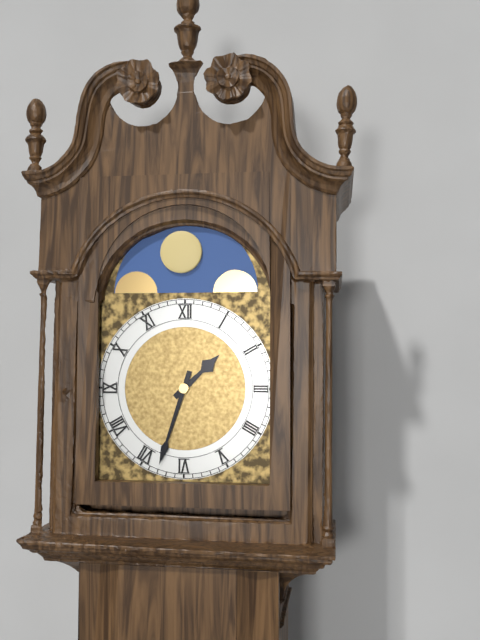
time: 1:33
